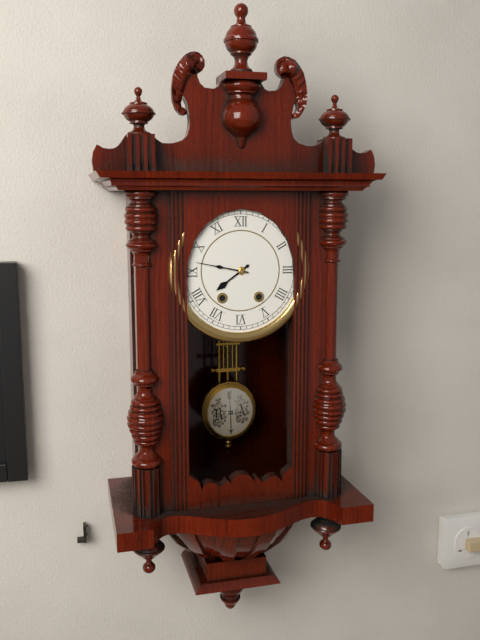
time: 7:47
